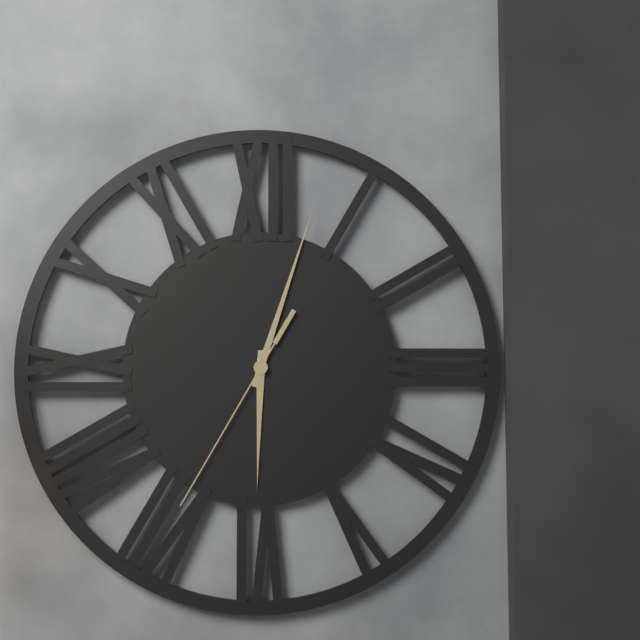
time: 6:03:35
